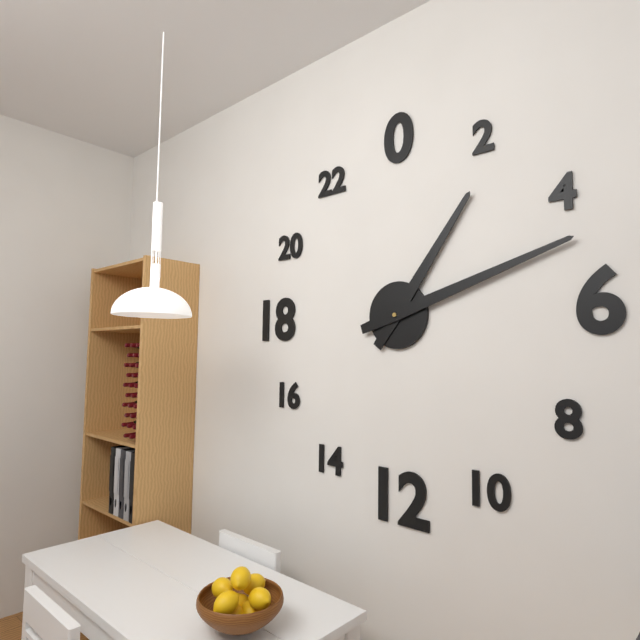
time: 1:12
